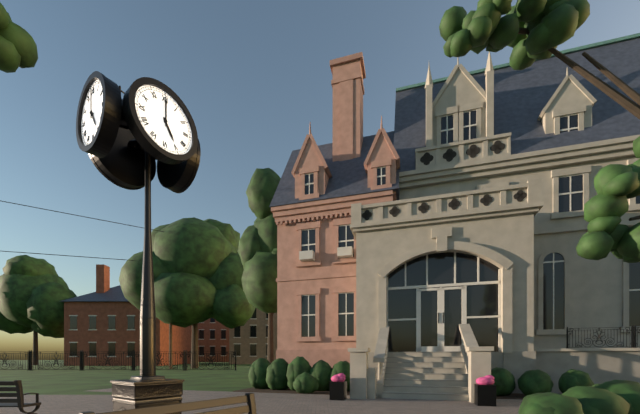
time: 5:00
